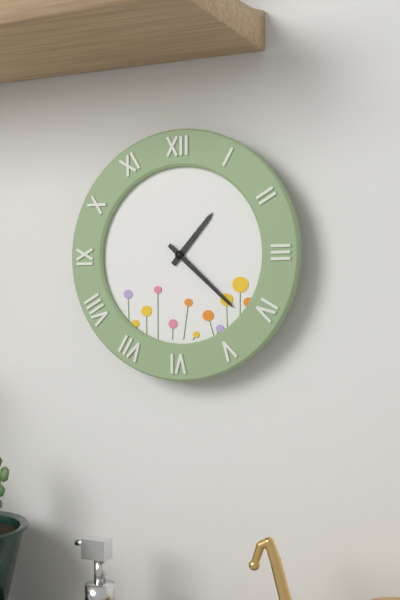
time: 1:22
